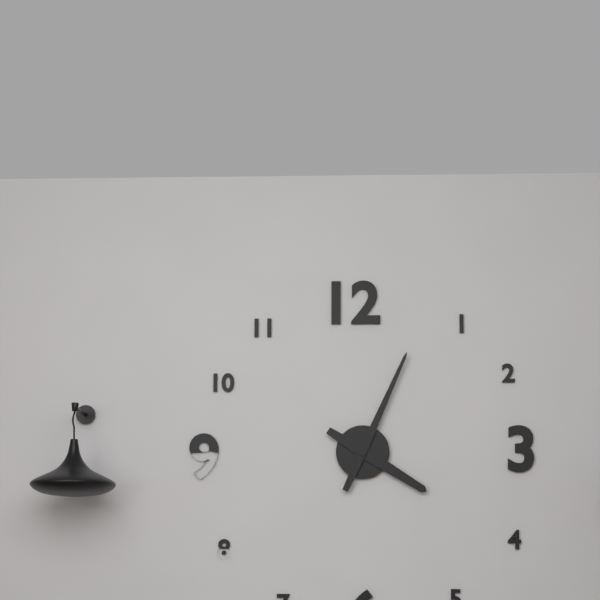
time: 4:04
